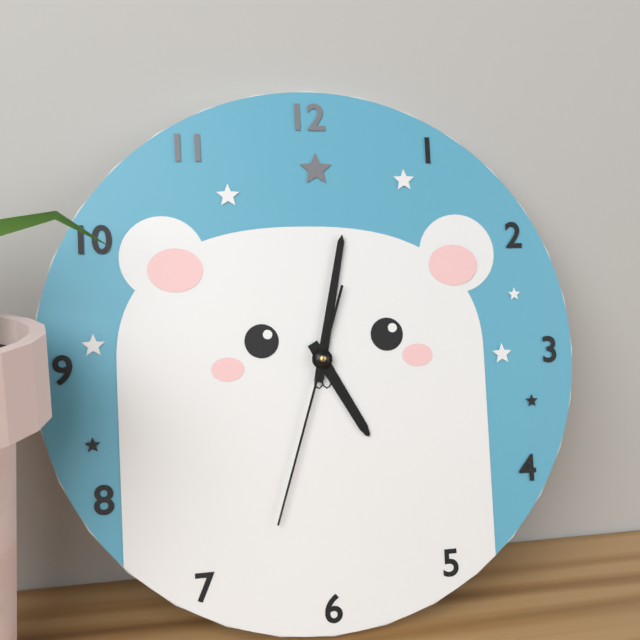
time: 5:02:33
